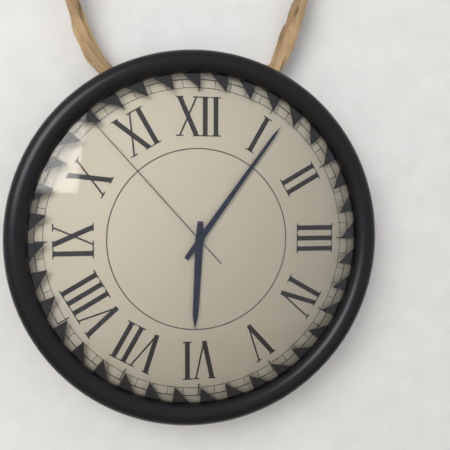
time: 6:06:53
